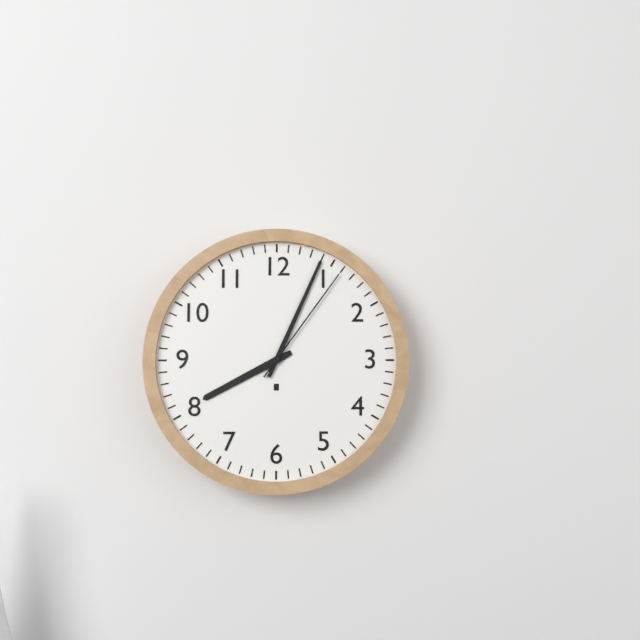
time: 8:04:06
